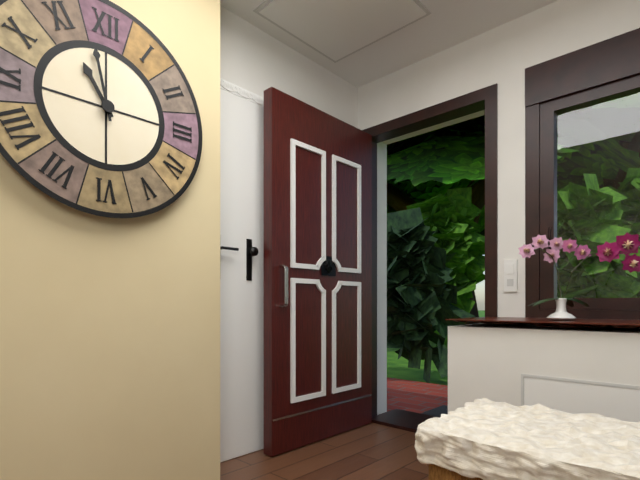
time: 10:58
